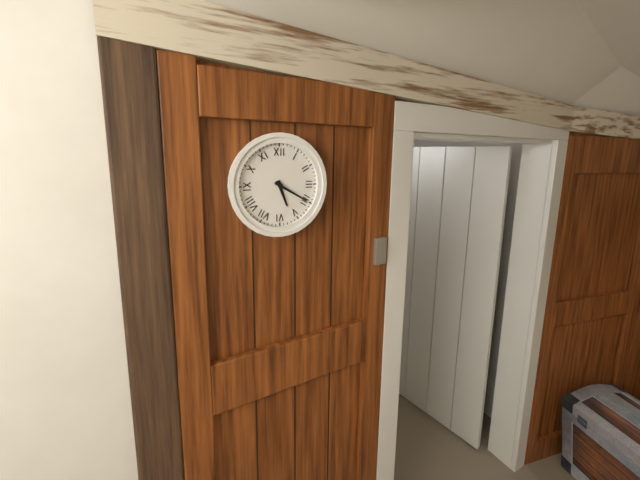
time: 5:20
